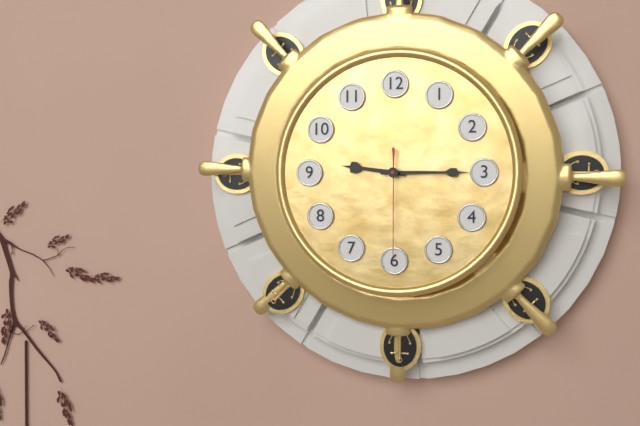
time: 9:15:30
